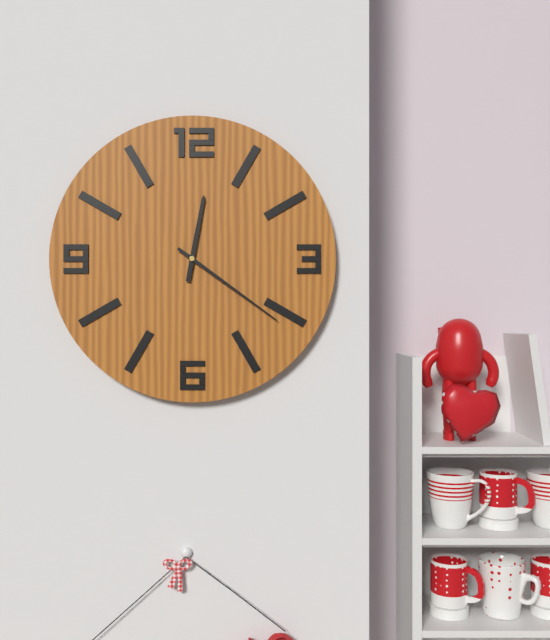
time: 12:21
